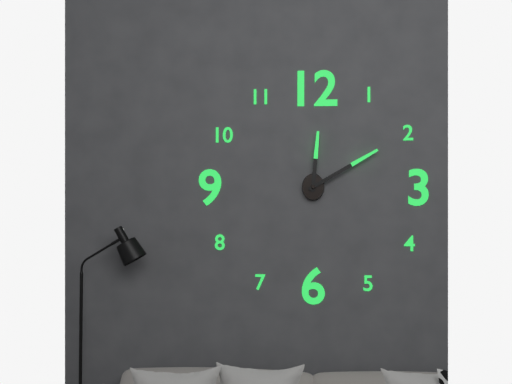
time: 12:10
